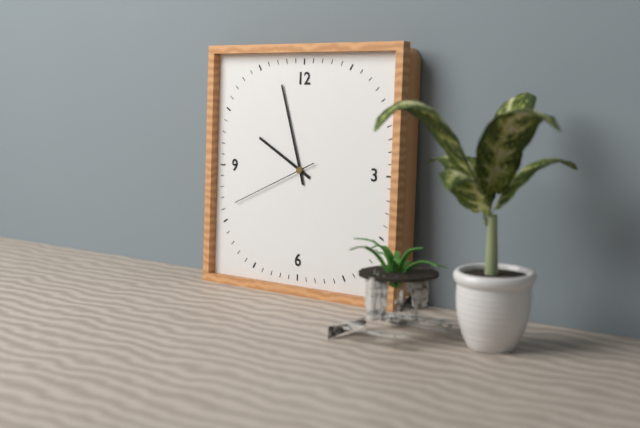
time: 9:57:41
